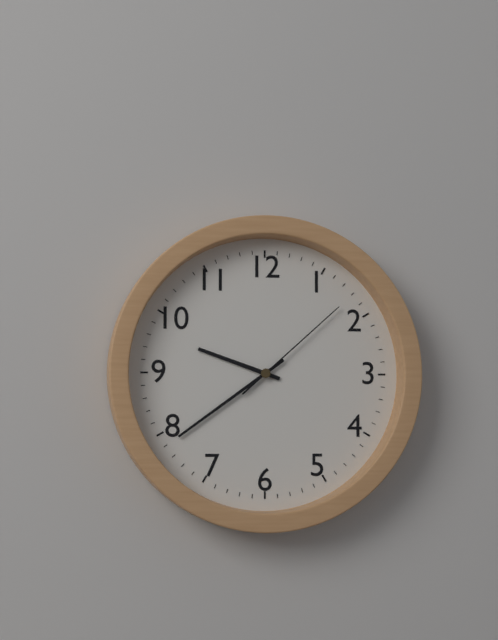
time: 9:39:08
